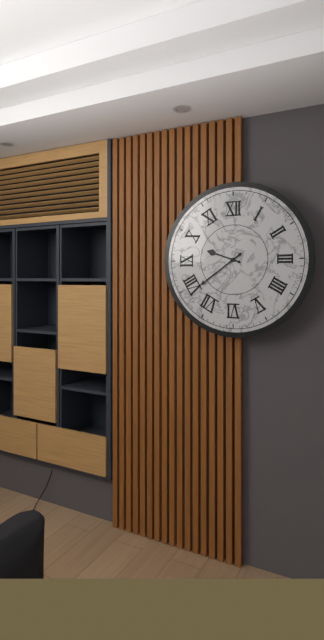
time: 9:39
